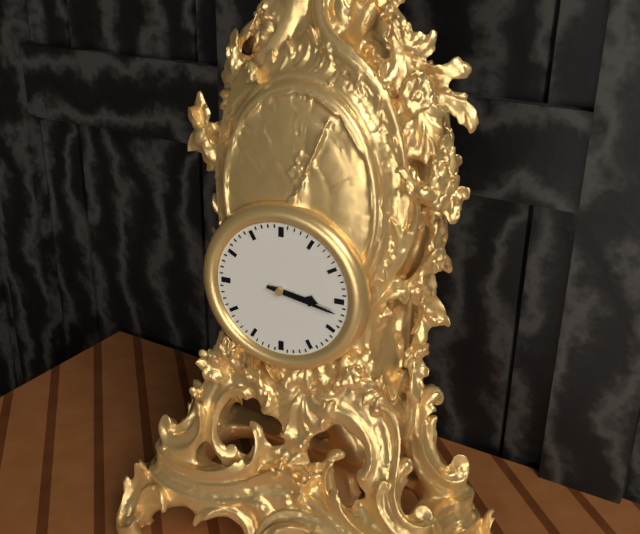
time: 3:17
